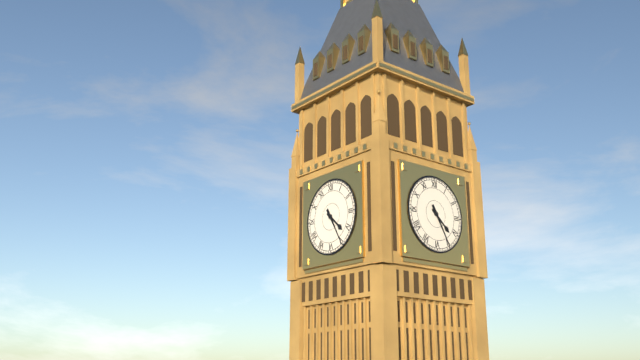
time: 4:25
